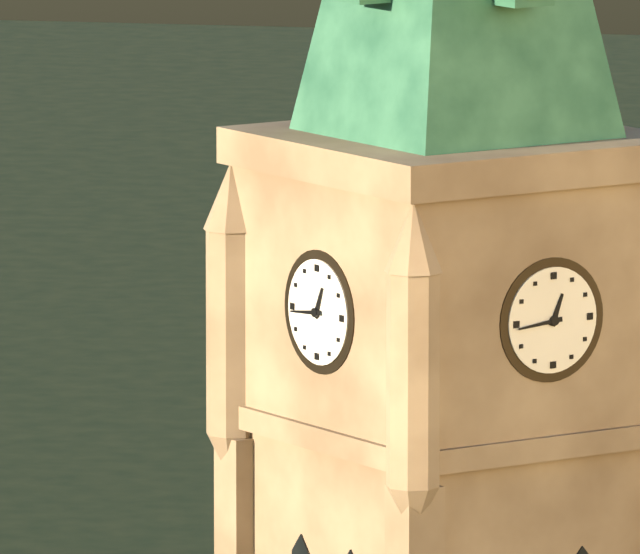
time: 12:44
